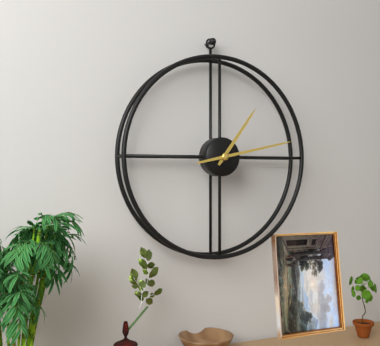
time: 1:13
